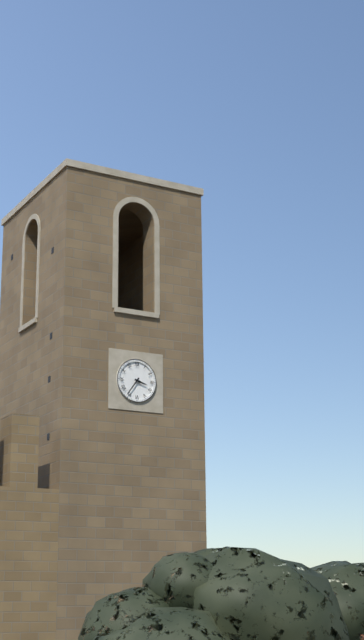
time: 3:36
